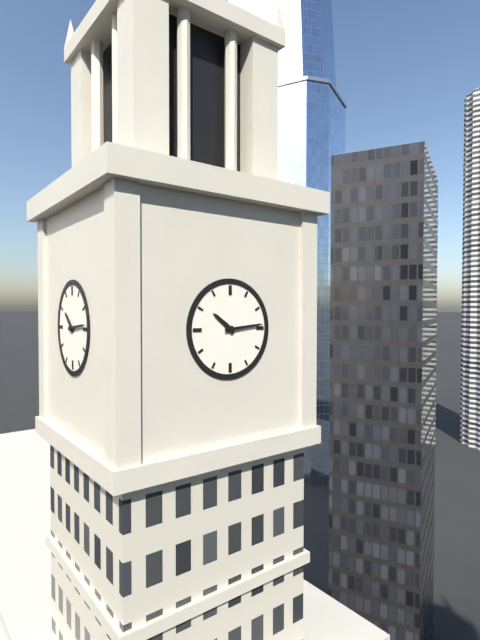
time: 10:14
